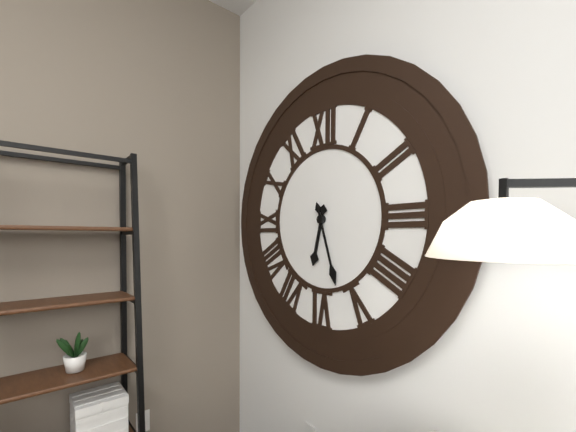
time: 6:27
